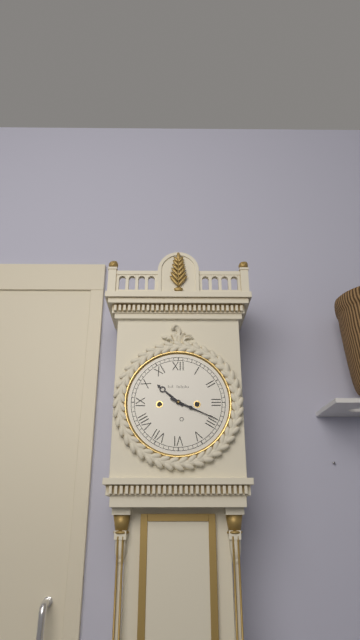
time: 10:19
